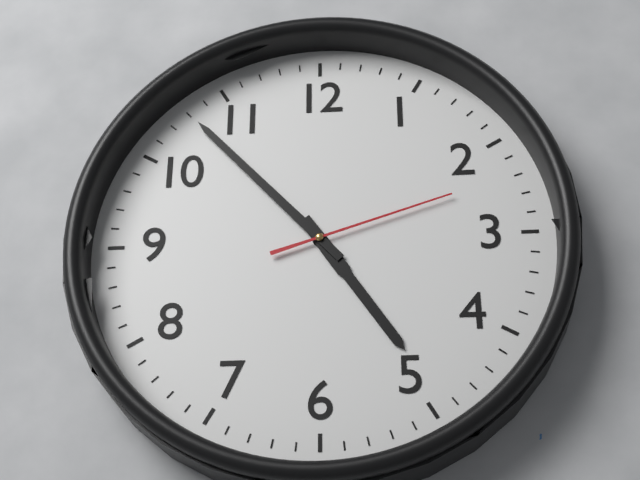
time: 4:53:12
